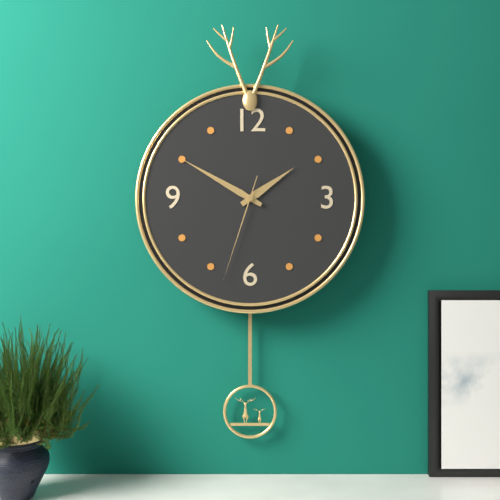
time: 1:50:33
